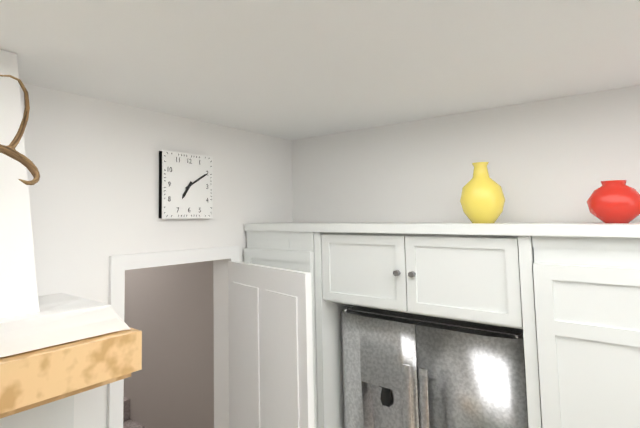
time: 7:10
